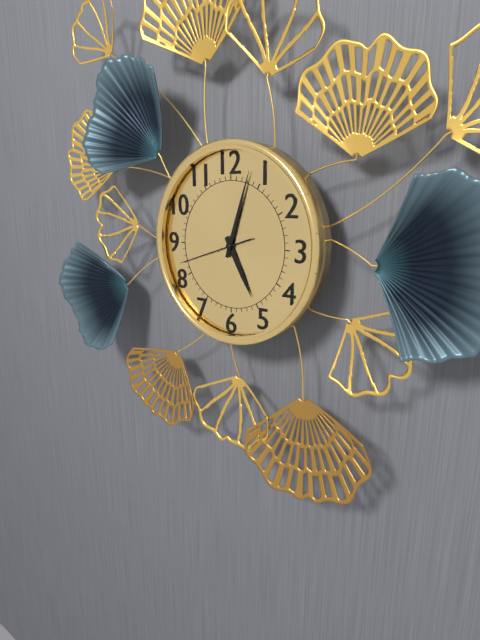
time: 5:03:42
